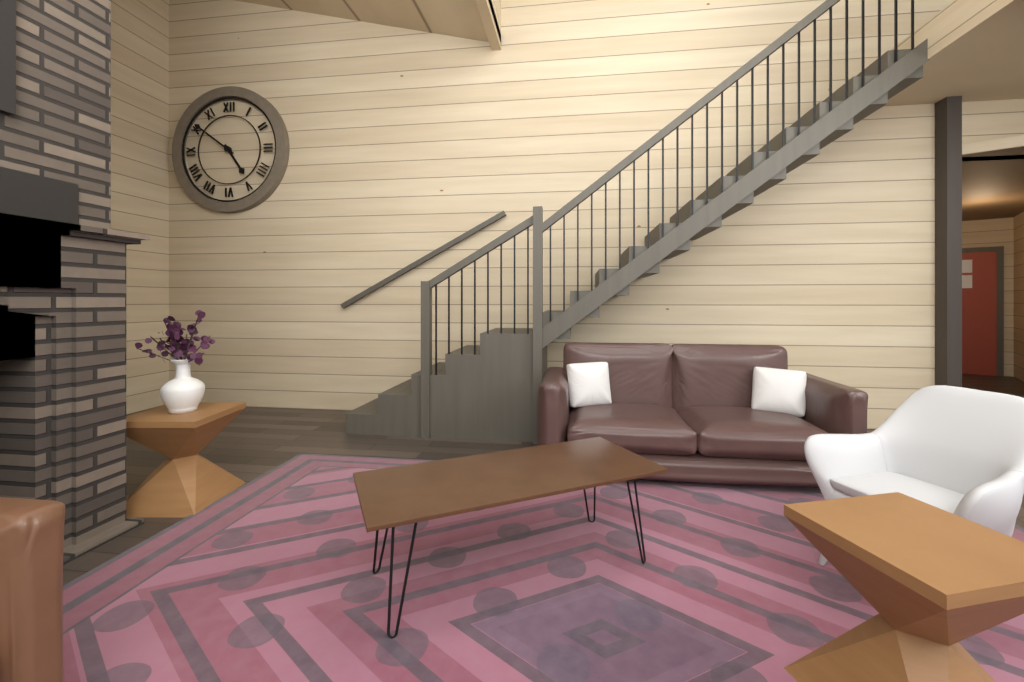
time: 4:51
